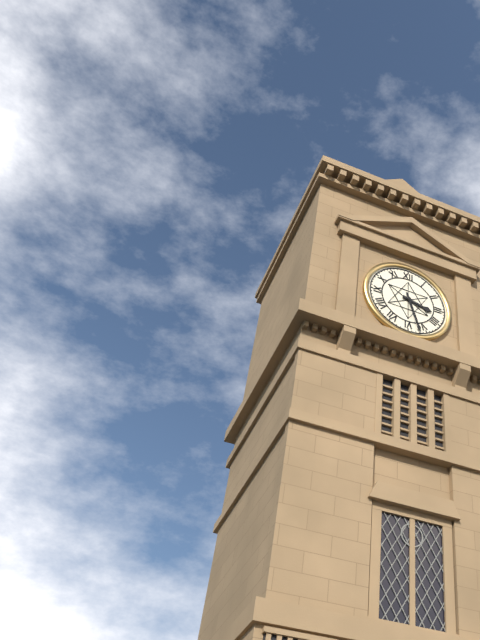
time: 3:27
